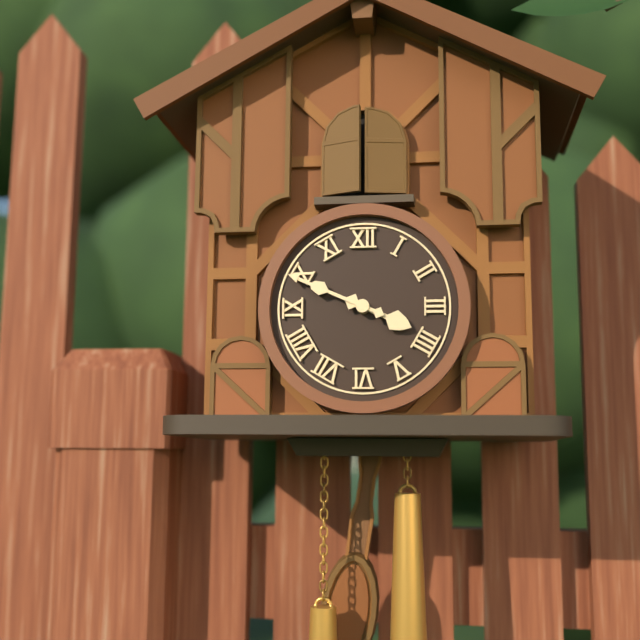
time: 3:49
